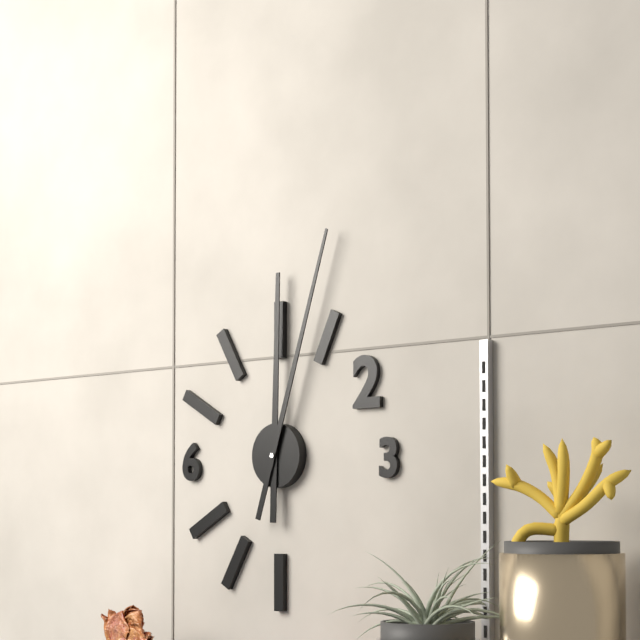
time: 12:03
